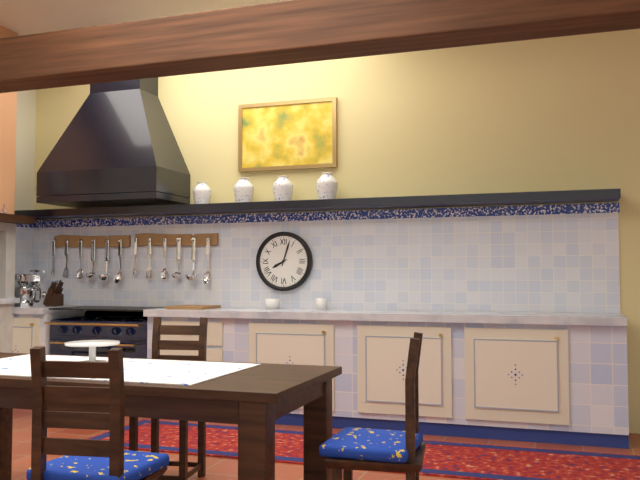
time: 8:03
